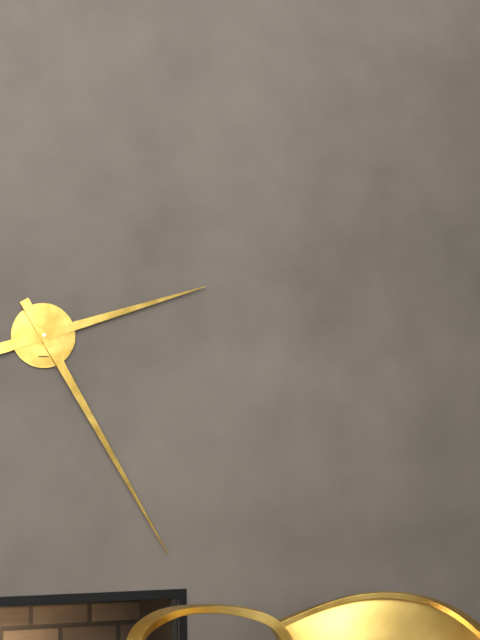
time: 2:25
